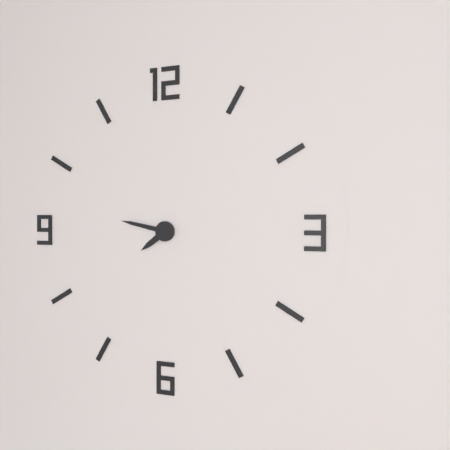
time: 7:47
